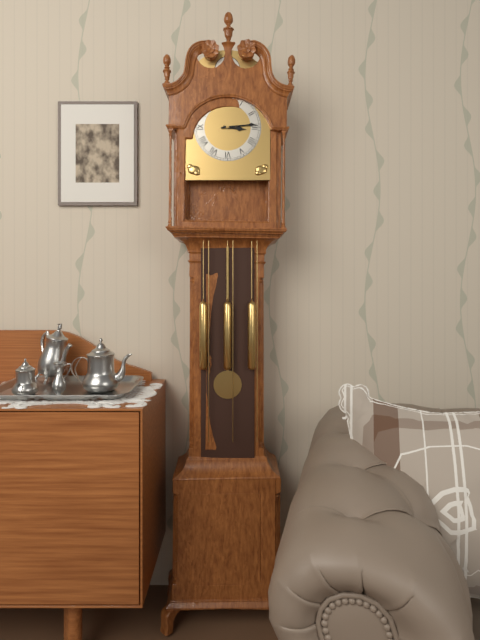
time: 3:14
